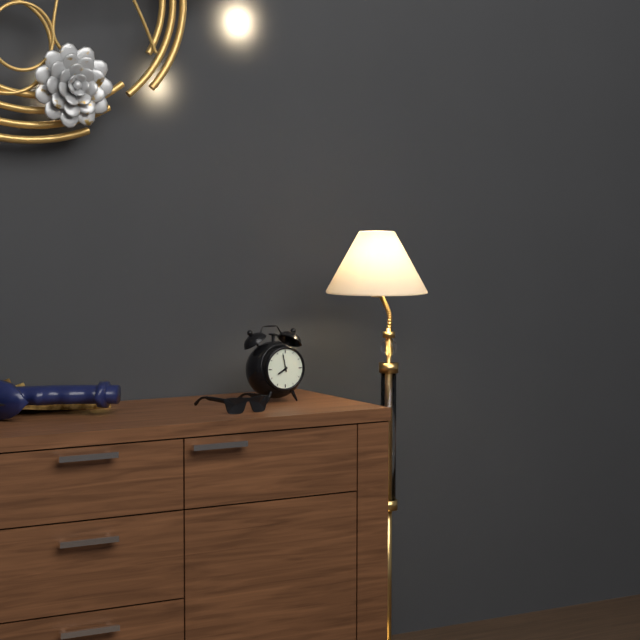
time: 7:58
